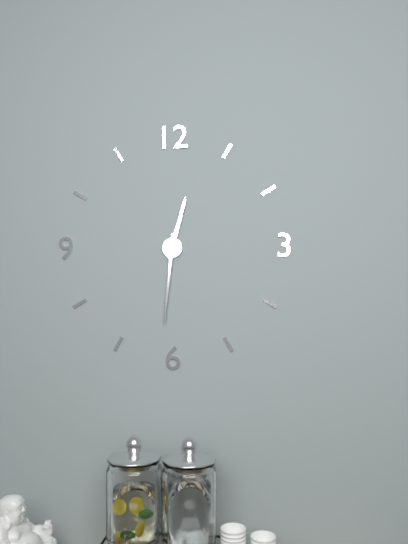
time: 12:31
